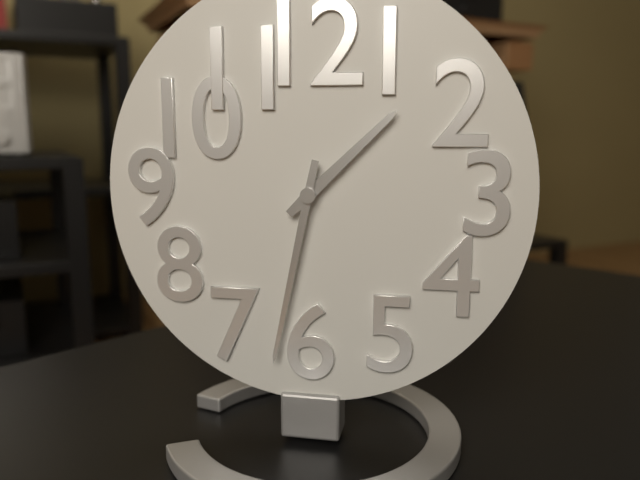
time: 1:32
